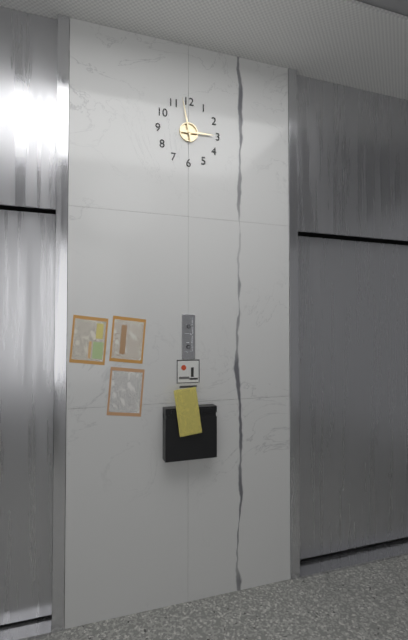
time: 2:58
